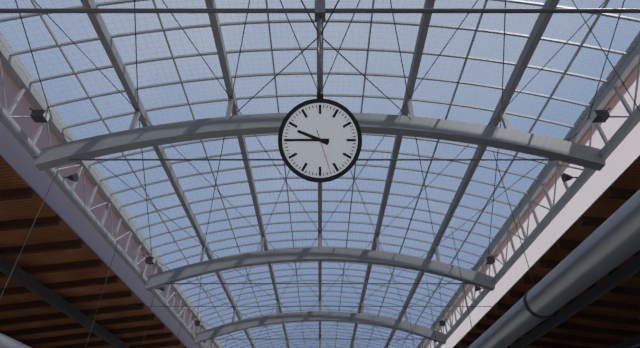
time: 9:45
